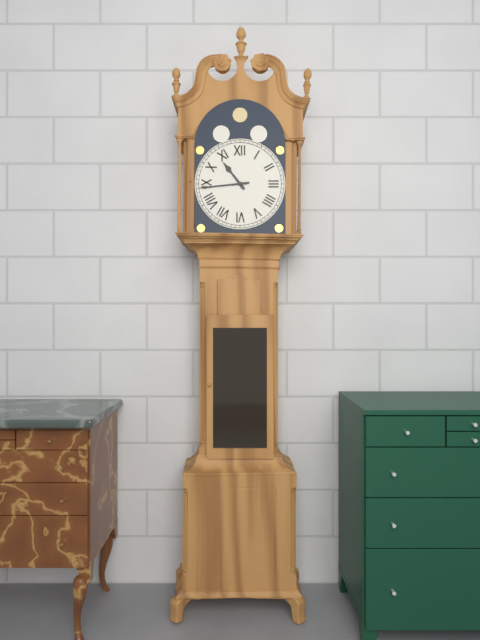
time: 10:44
